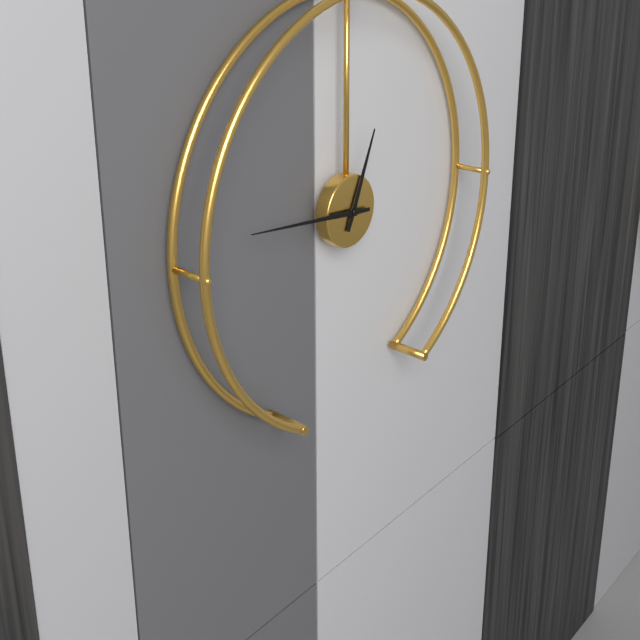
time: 12:46
